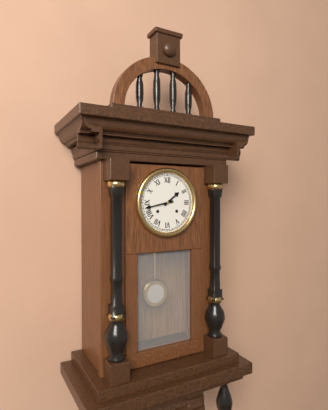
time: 1:43
